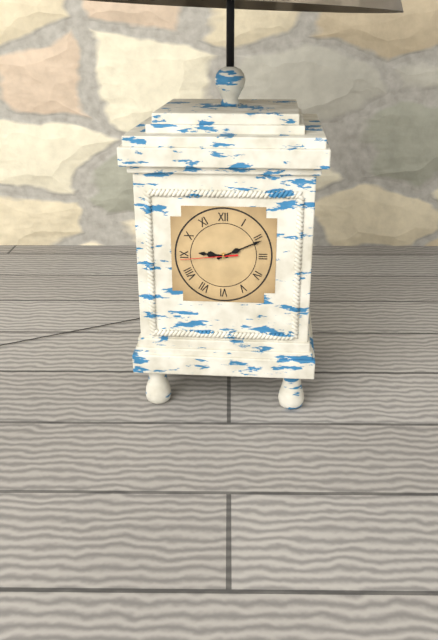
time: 9:11:44
